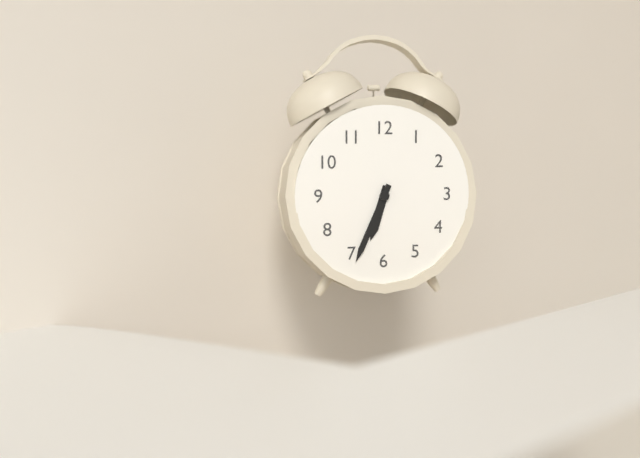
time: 6:34
